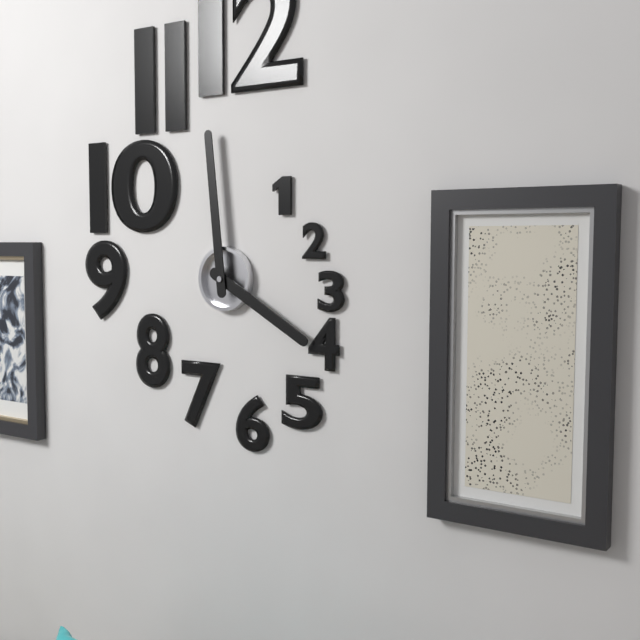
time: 3:59
